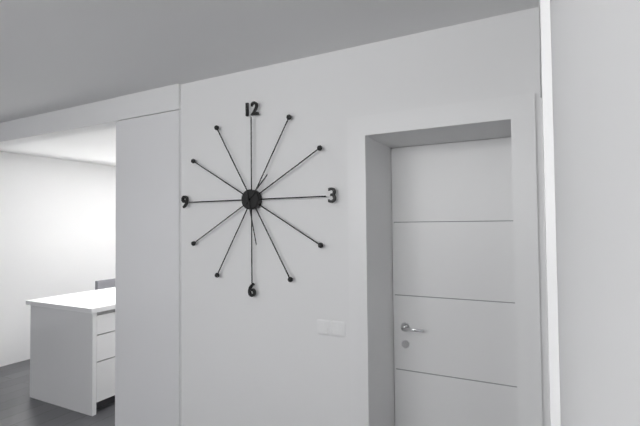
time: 1:28
